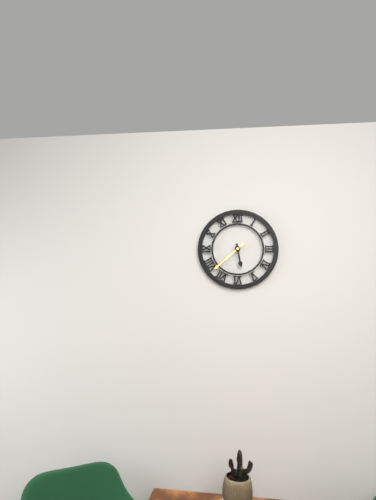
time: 5:38
